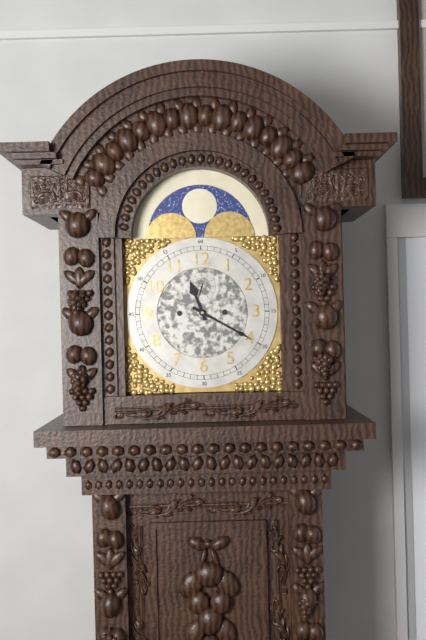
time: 11:20
